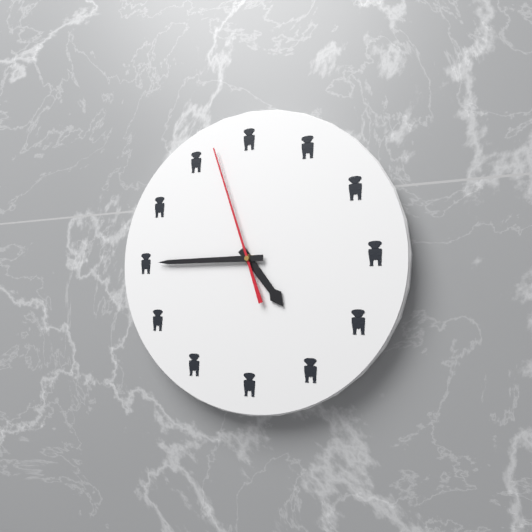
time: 4:45:57
